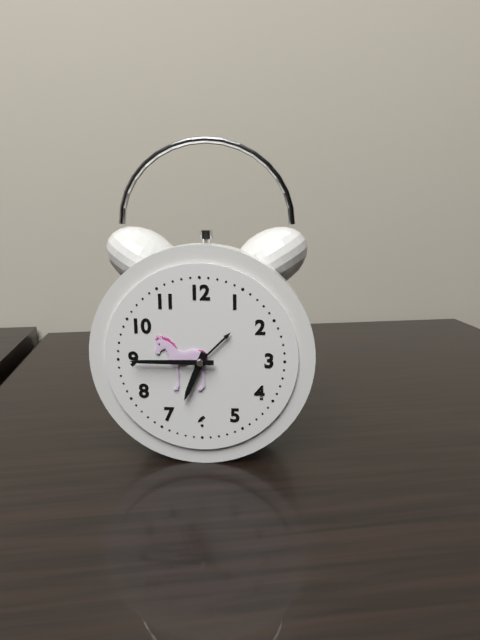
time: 6:45
